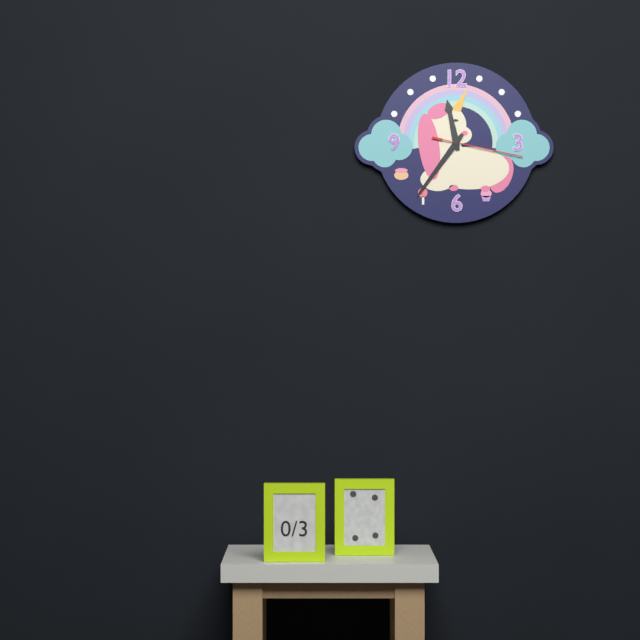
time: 11:36:17
